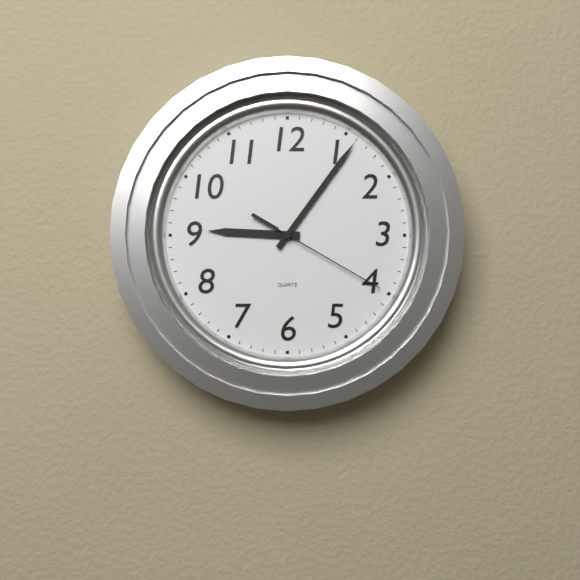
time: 9:06:20
